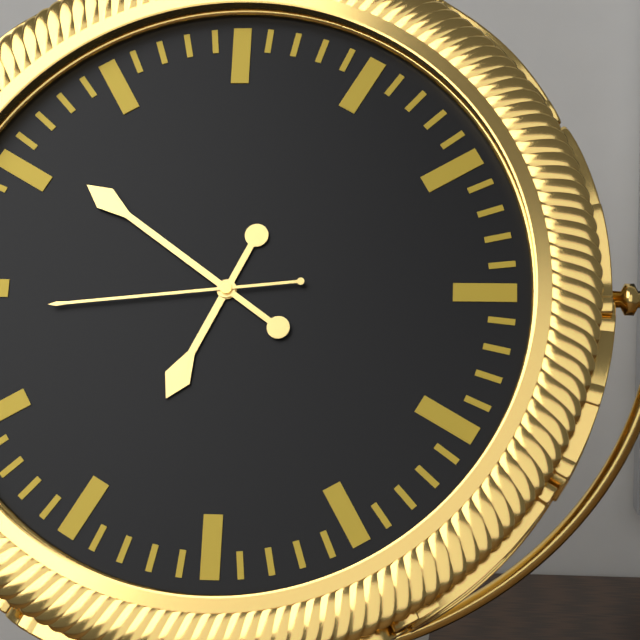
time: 6:51:44
